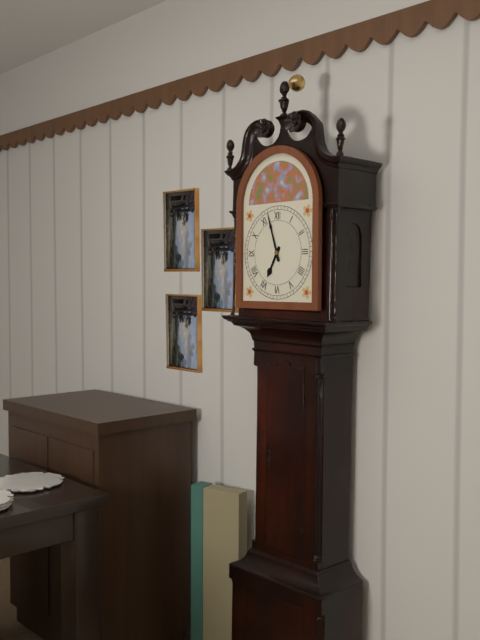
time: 6:57
